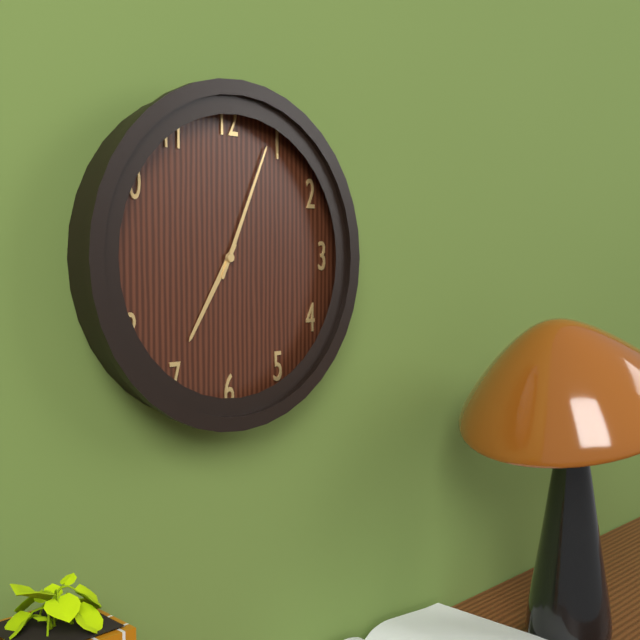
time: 7:04
